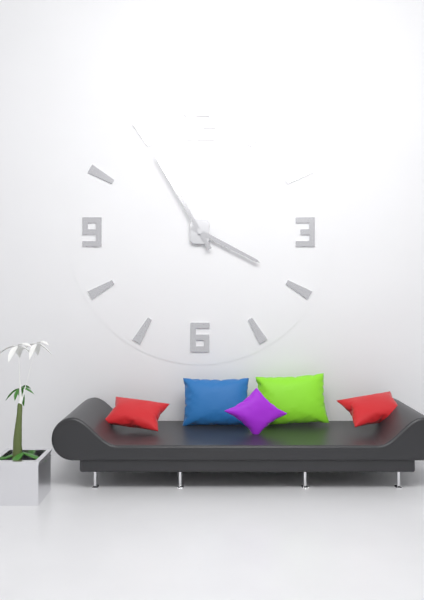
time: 3:55
